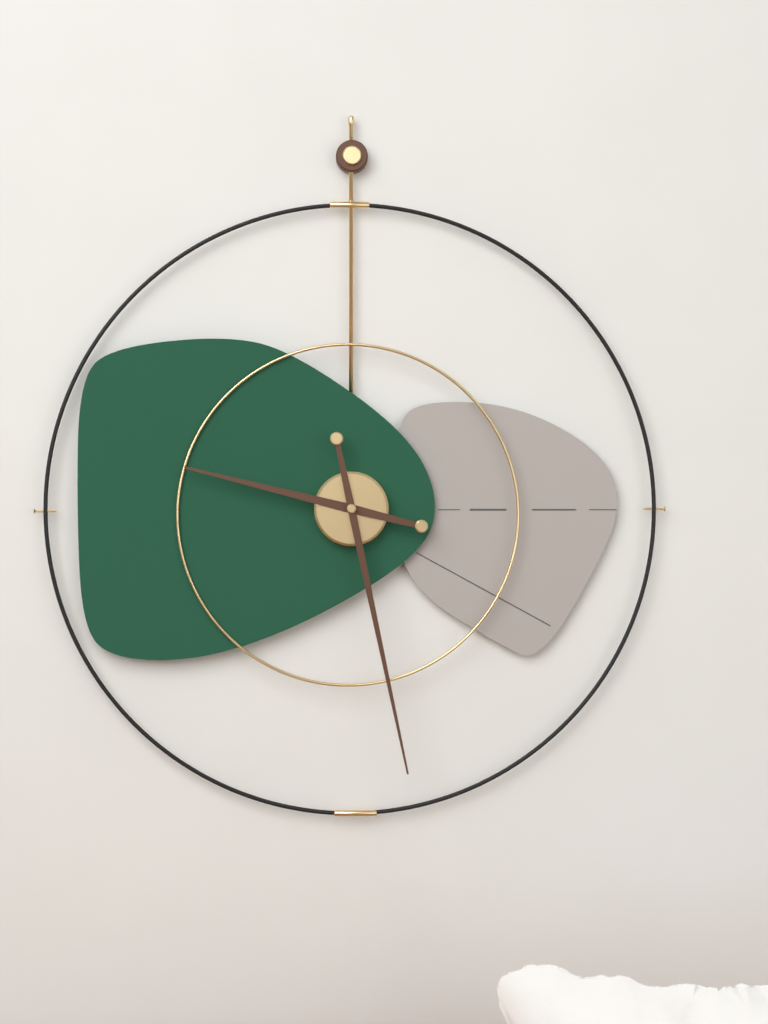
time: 9:28
